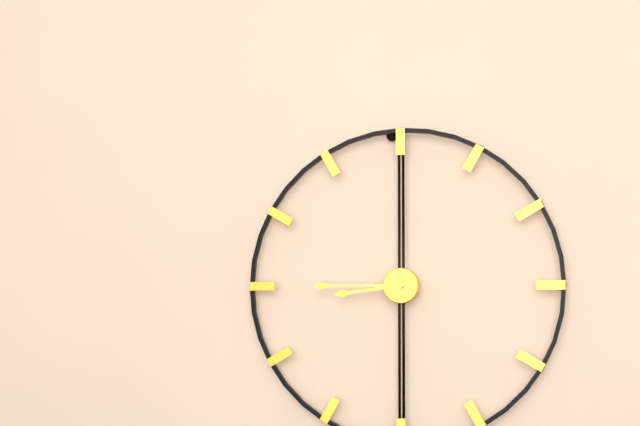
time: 8:45
